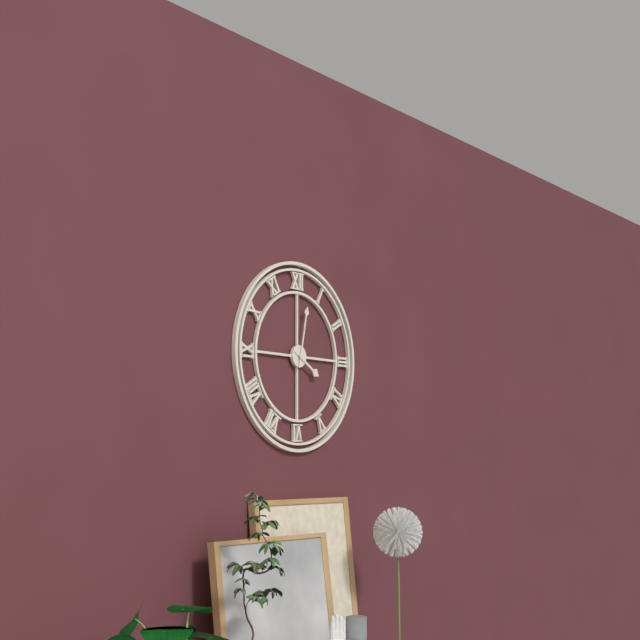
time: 4:02
